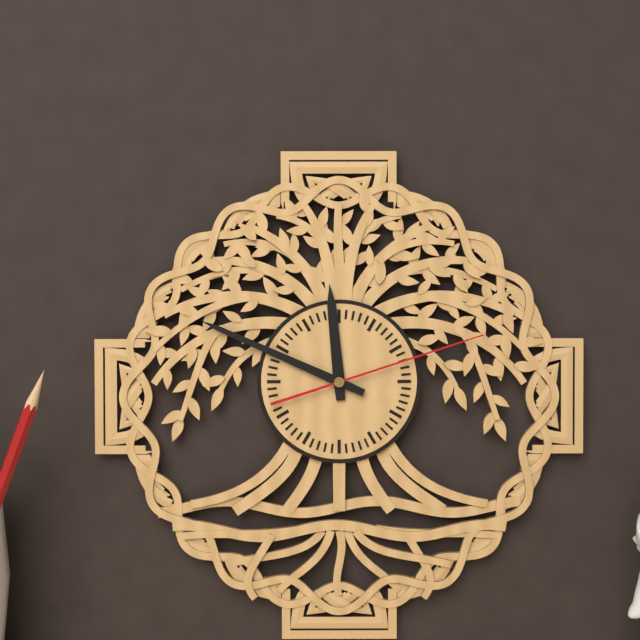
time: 11:49:12
